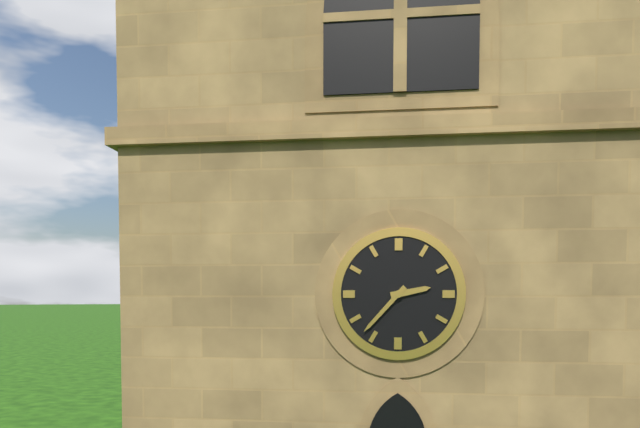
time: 2:37
